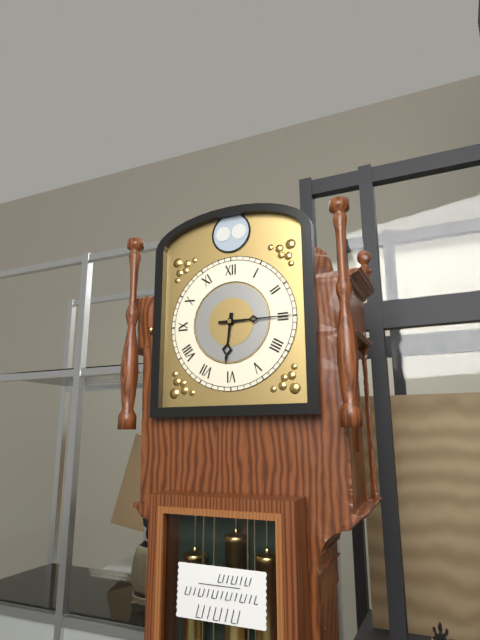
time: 6:15
